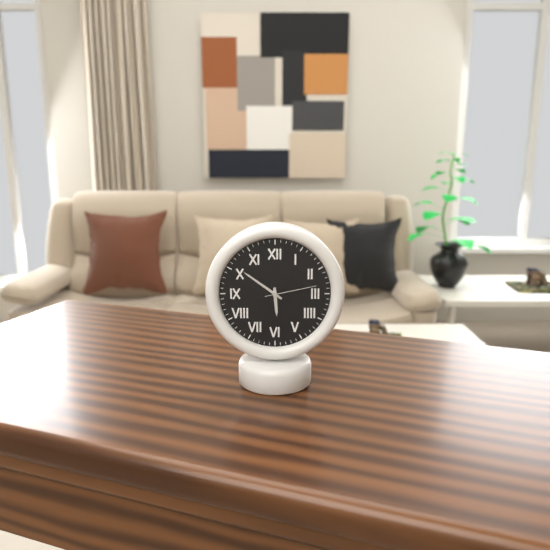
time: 5:51:13
